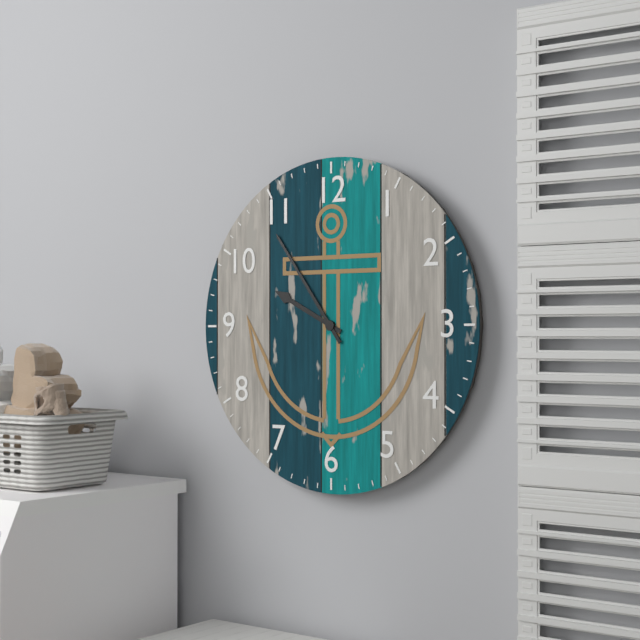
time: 9:54
